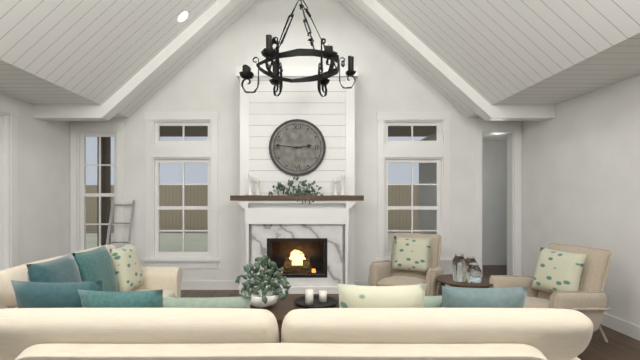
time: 2:46
